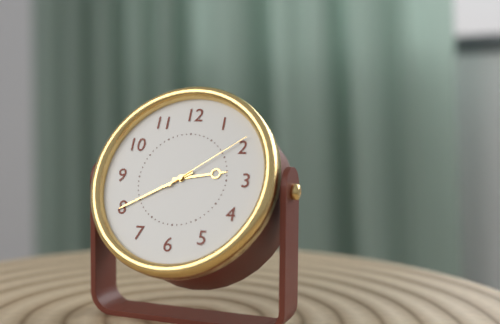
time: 2:40:09
